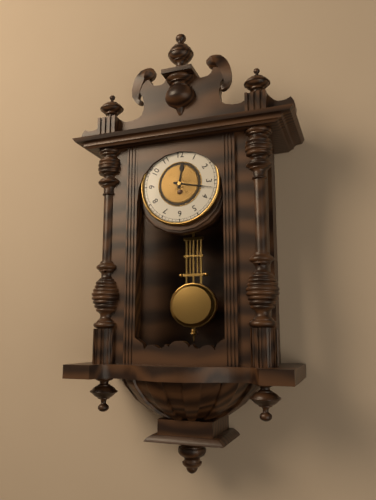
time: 12:17
